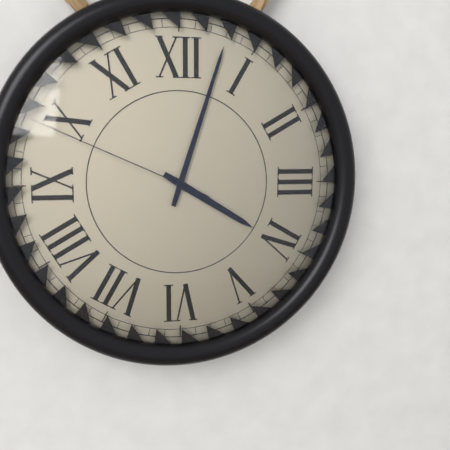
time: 4:03:49
